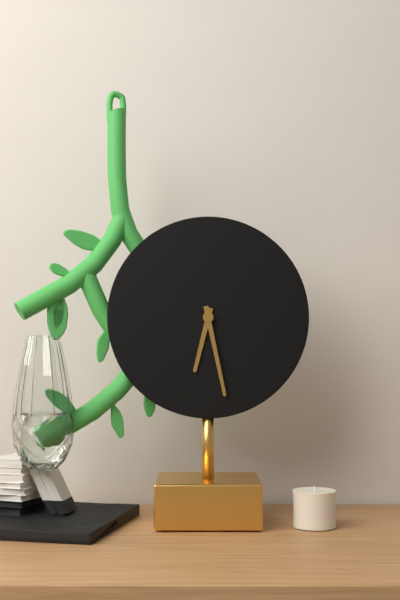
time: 6:28
